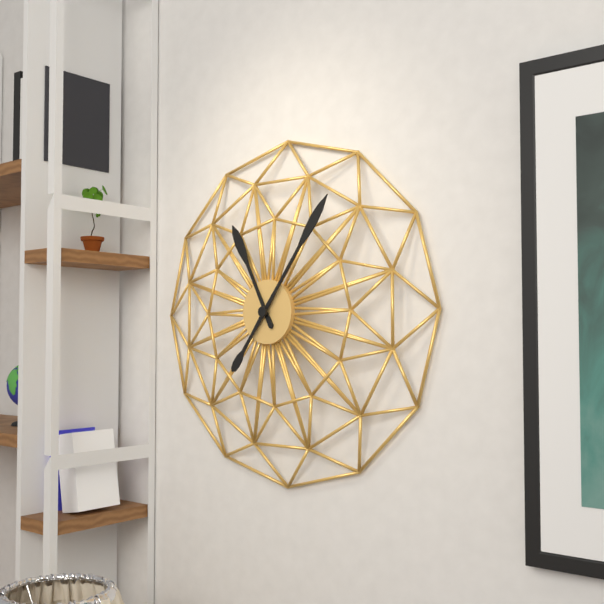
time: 11:06
